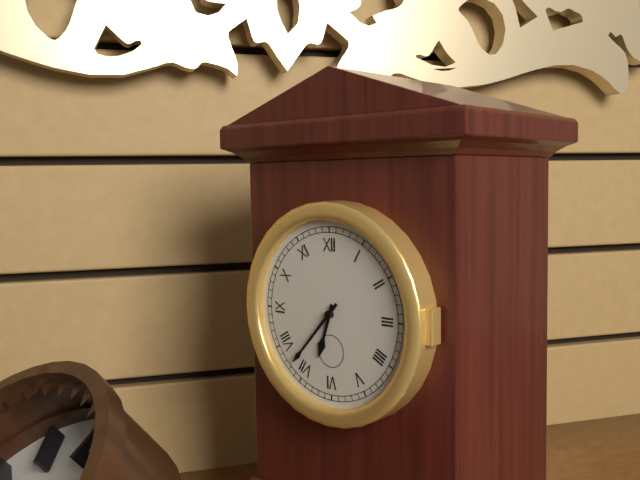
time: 6:37
